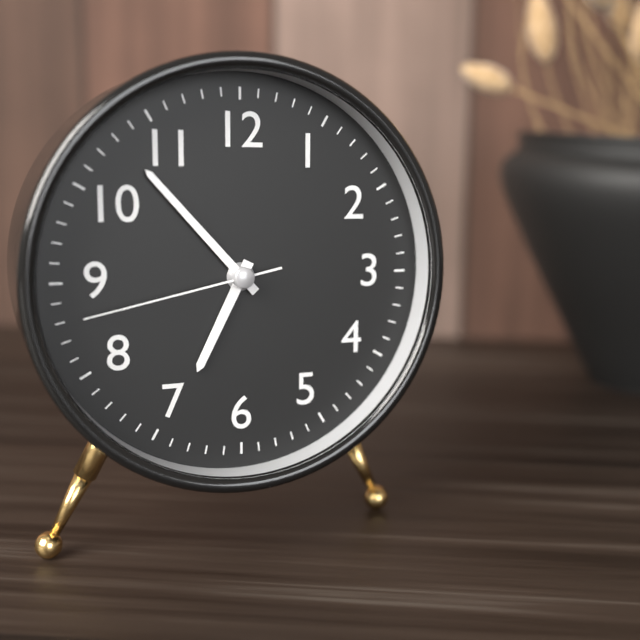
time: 6:53:43
